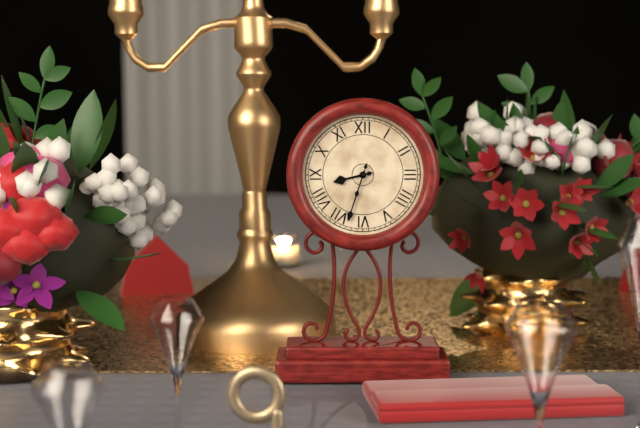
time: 8:33
